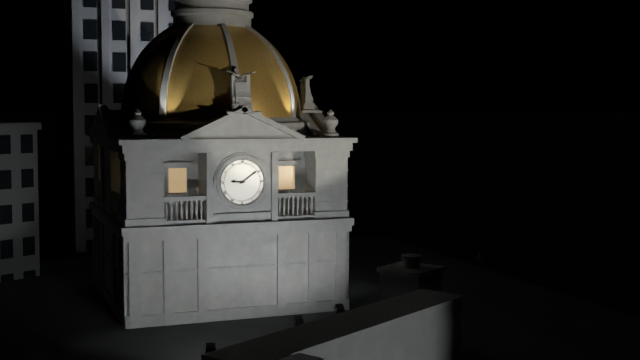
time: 9:09
